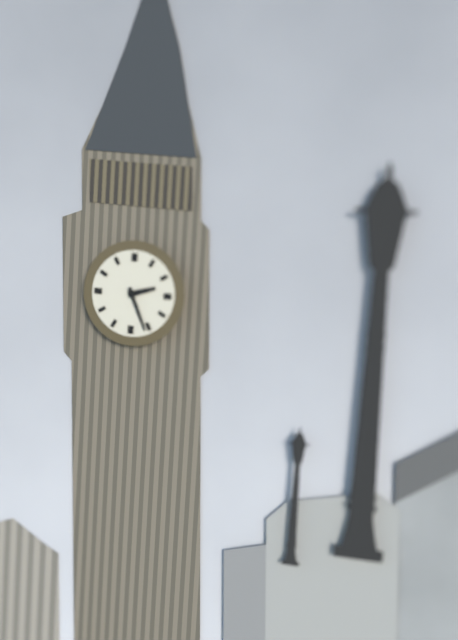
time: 2:26
